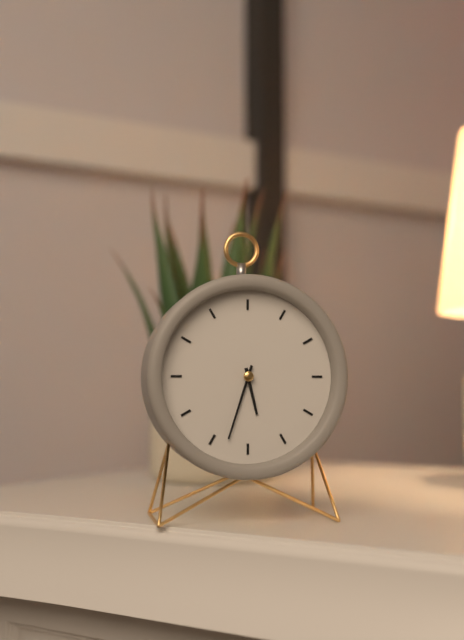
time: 5:33
